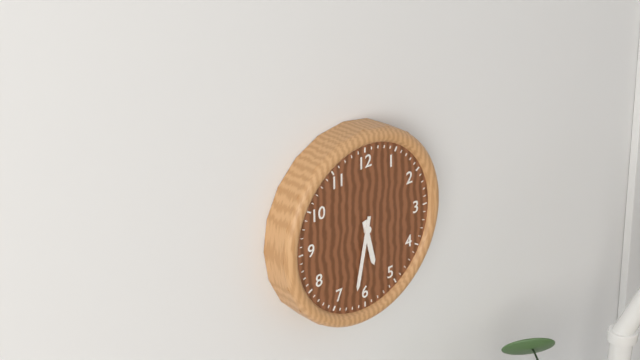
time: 5:32
